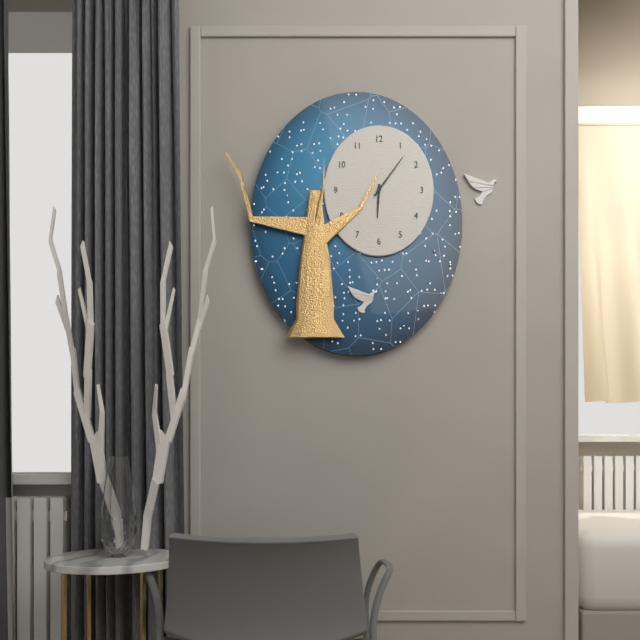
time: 6:06
